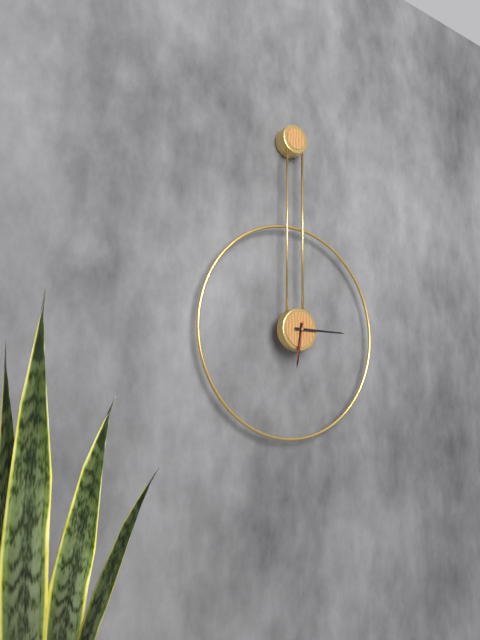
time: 6:15
